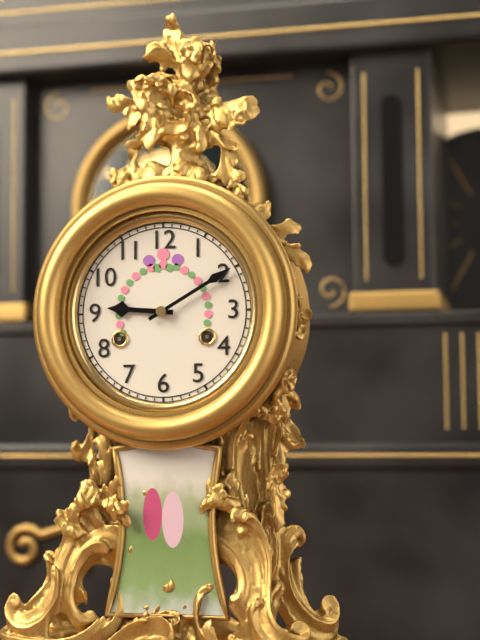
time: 9:10
